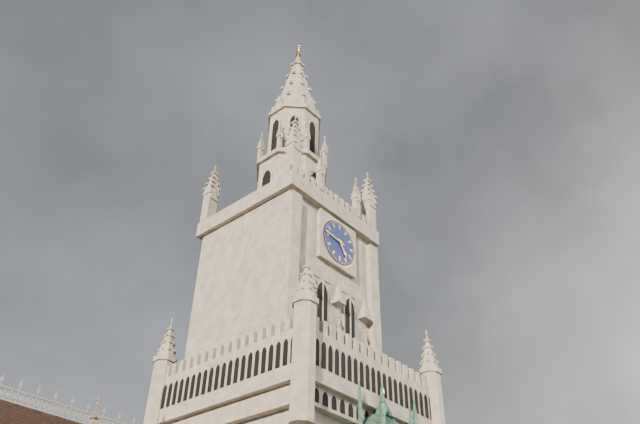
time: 4:46
